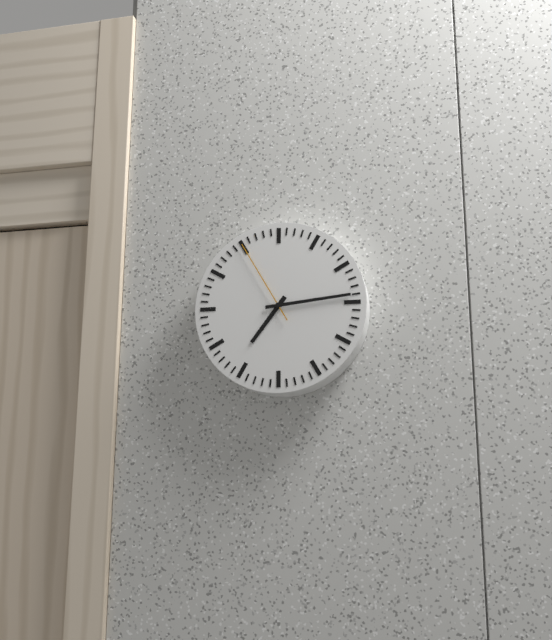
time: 7:14:55
